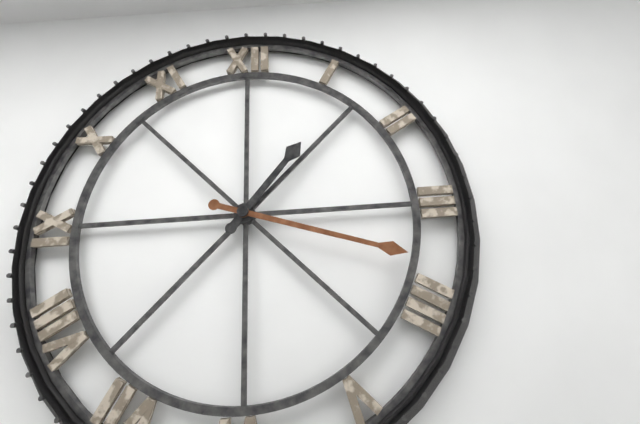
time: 1:18
